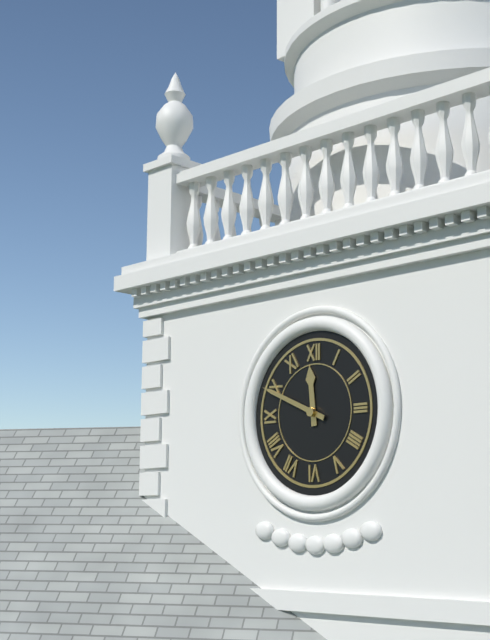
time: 11:49
